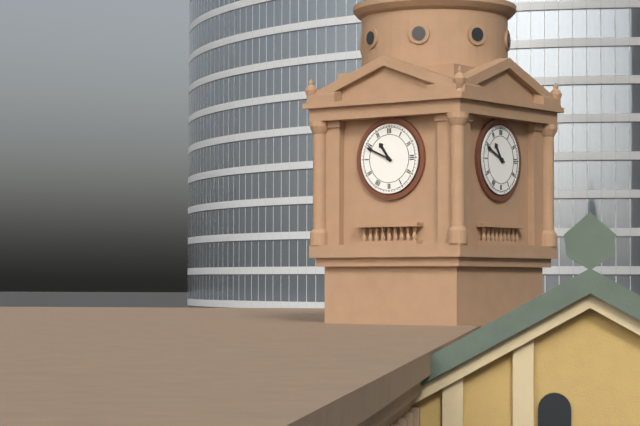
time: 10:49
